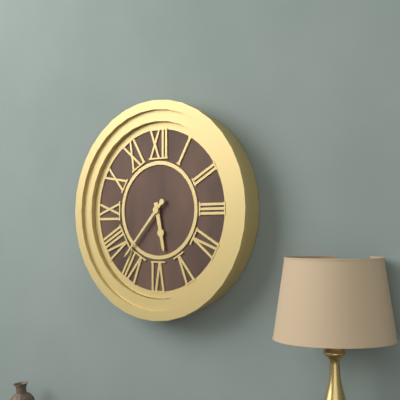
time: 5:37
